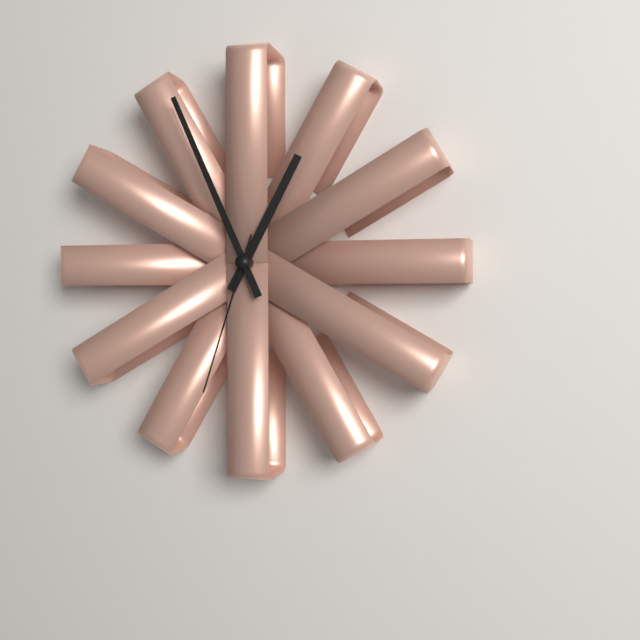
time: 12:56:33
